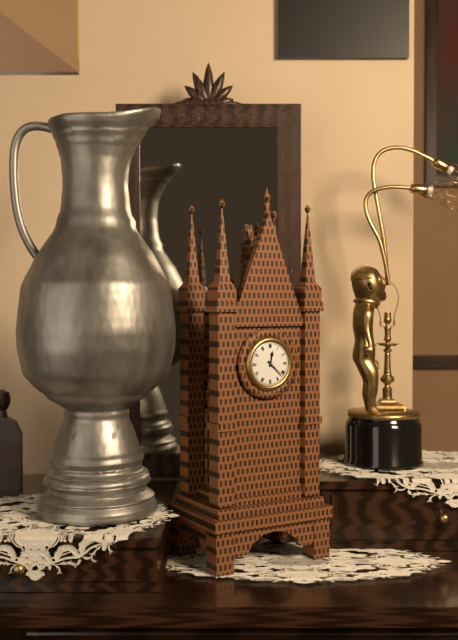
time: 12:22
